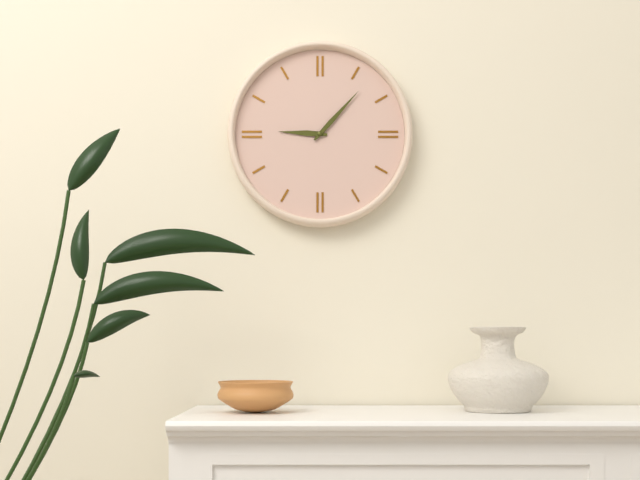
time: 9:07
